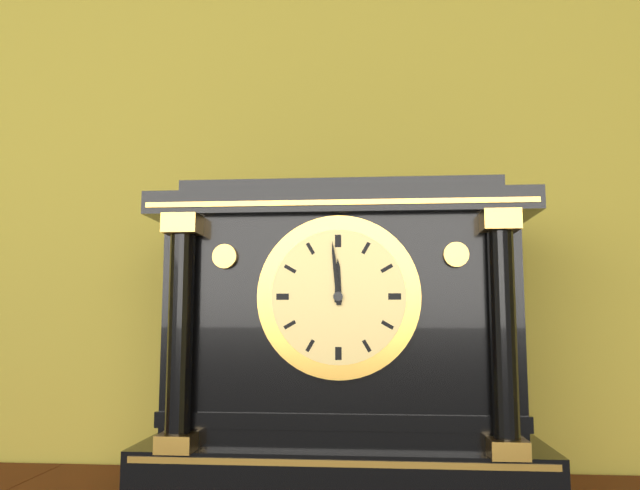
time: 11:59
